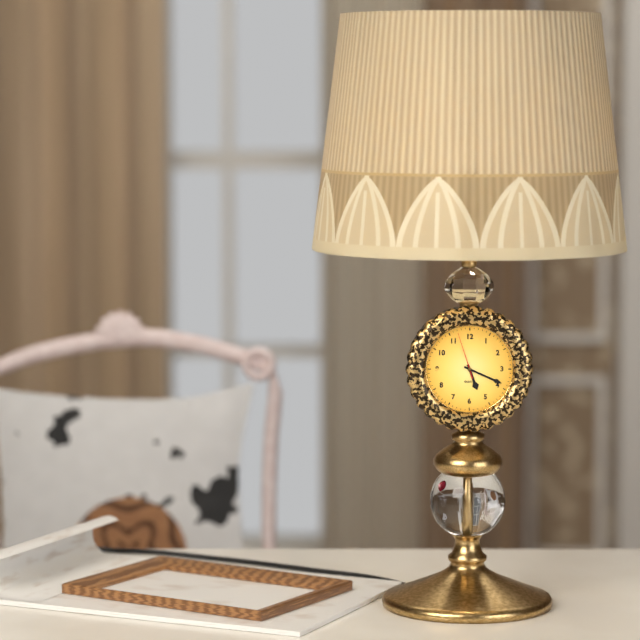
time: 5:19
